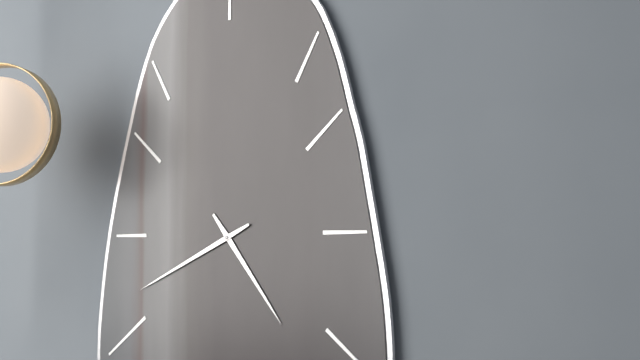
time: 4:41
